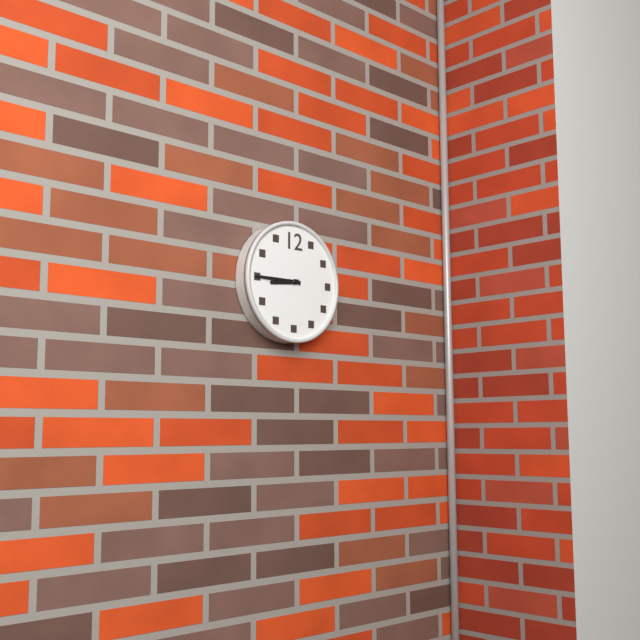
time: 8:45
